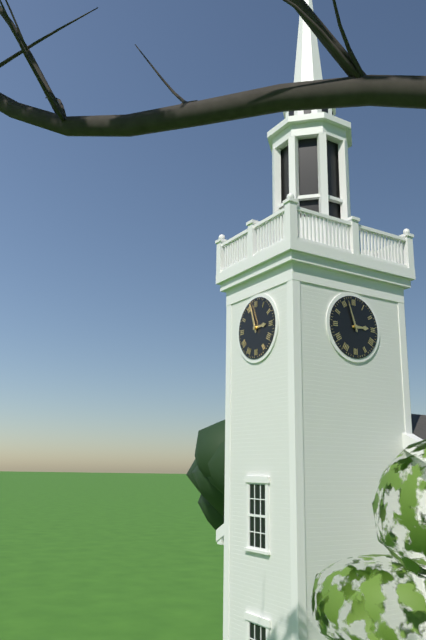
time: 2:57
